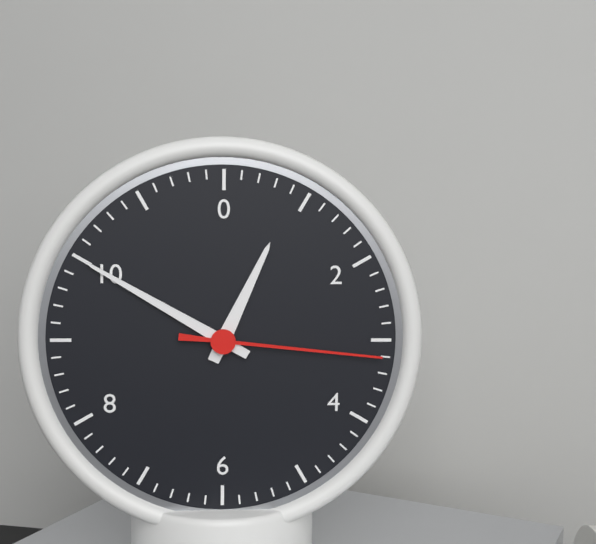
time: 12:50:16
